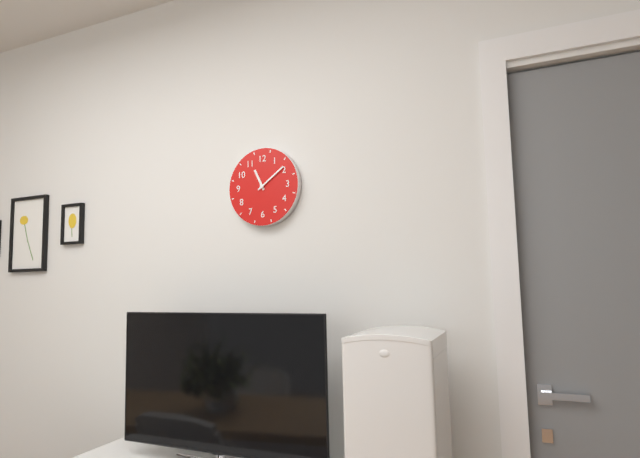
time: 11:09
